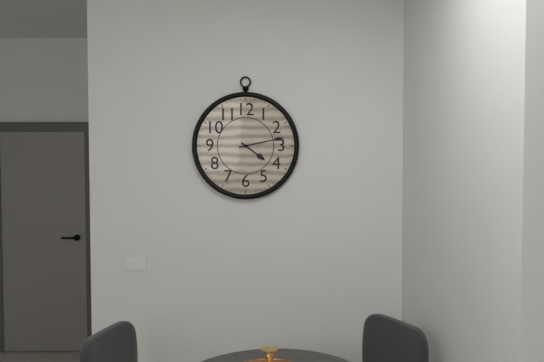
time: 4:13
